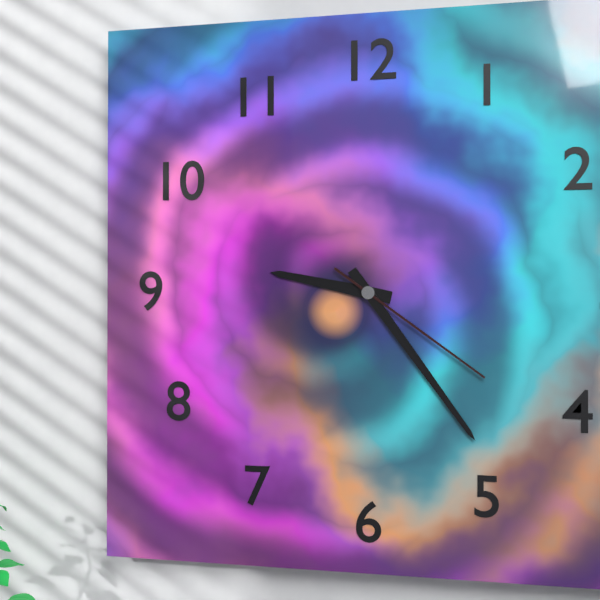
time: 9:24:21
